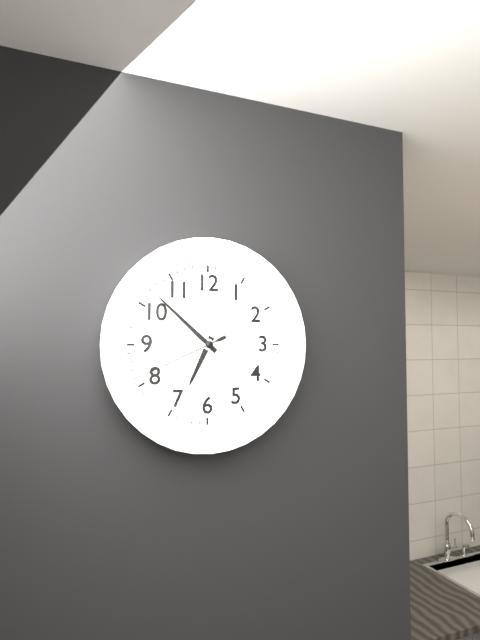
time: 6:52:41
